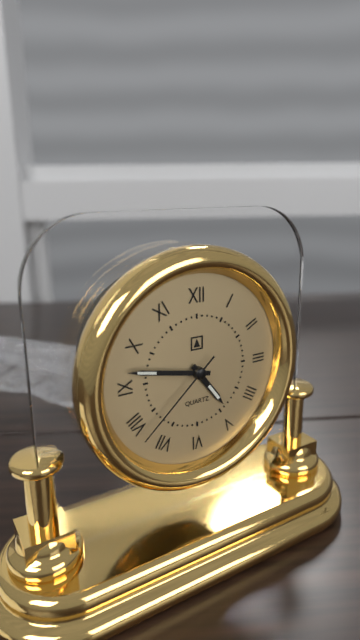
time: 4:47:38
